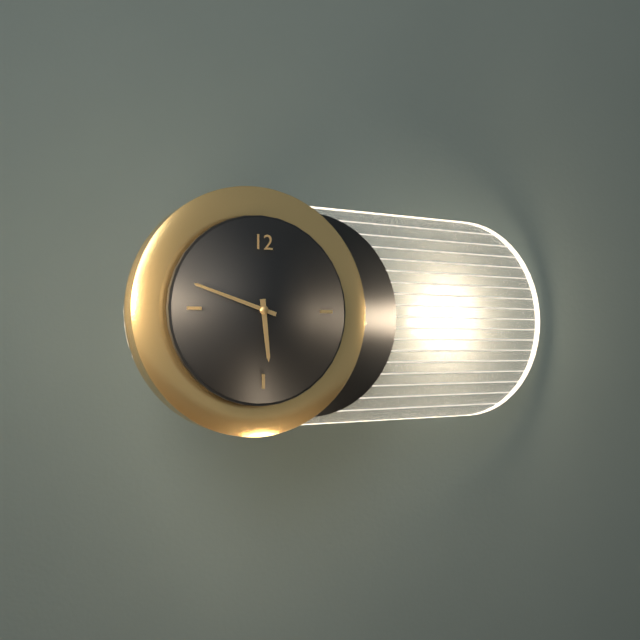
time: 5:48
